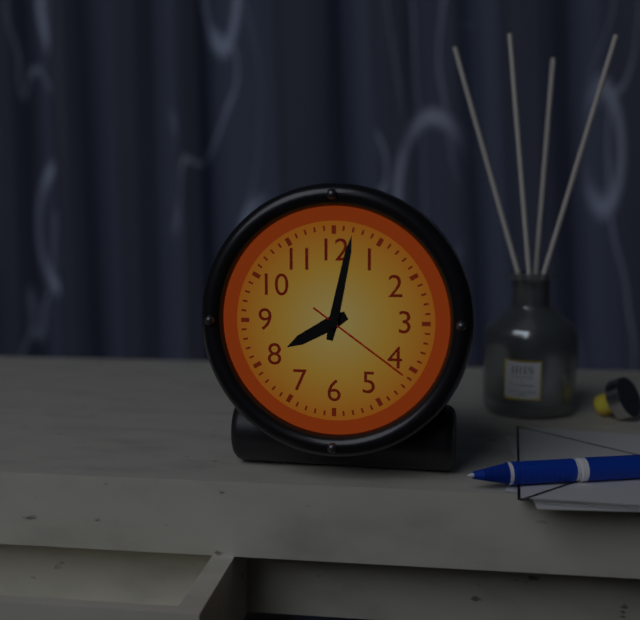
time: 8:02:21
